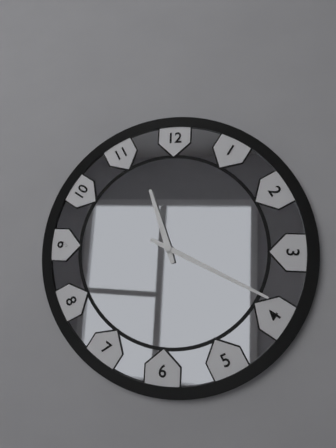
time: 11:19
